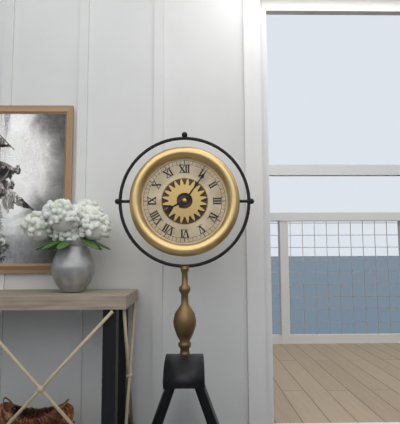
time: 8:06
